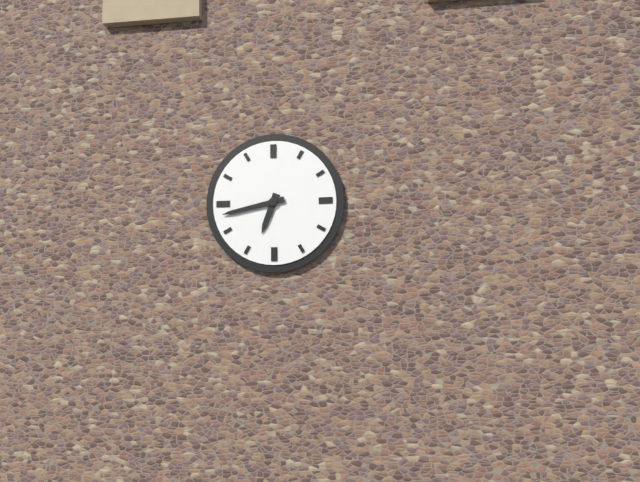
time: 6:43
